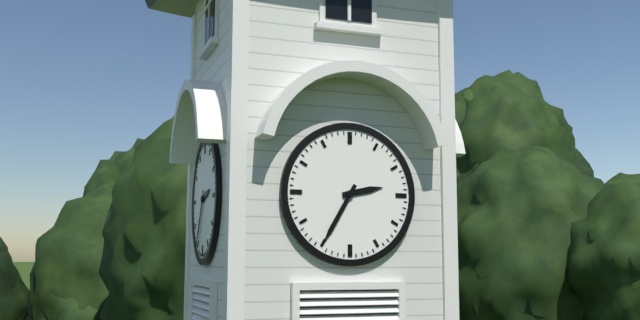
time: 2:35
